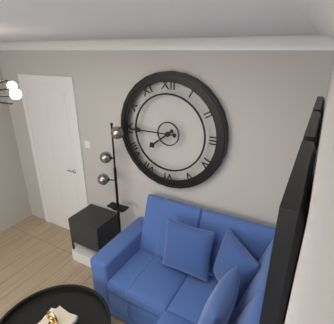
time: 7:45
